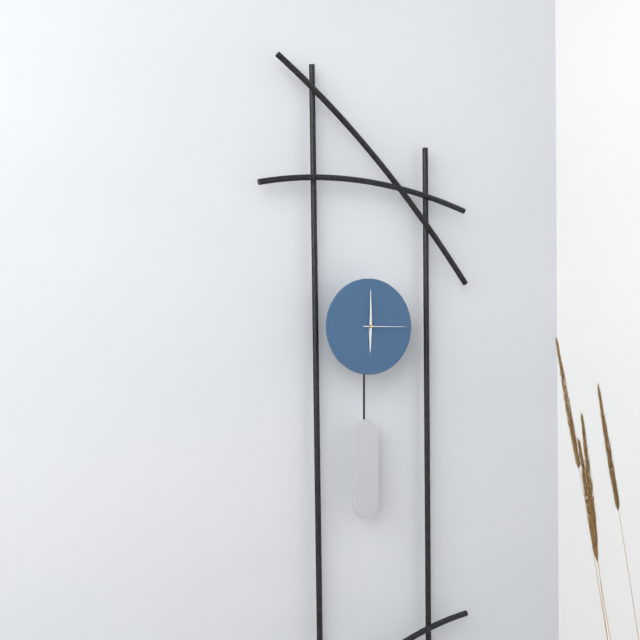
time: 6:00
